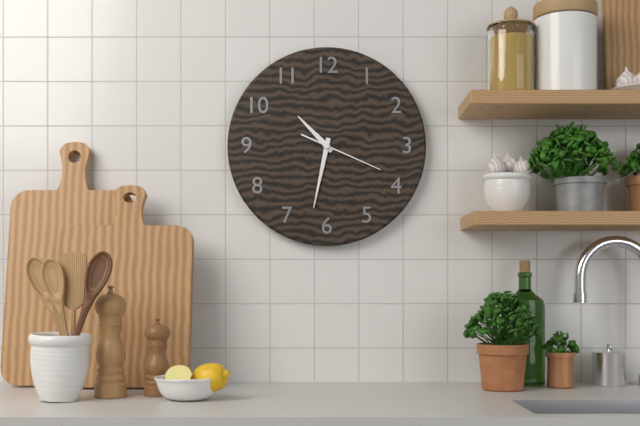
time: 10:32:19
